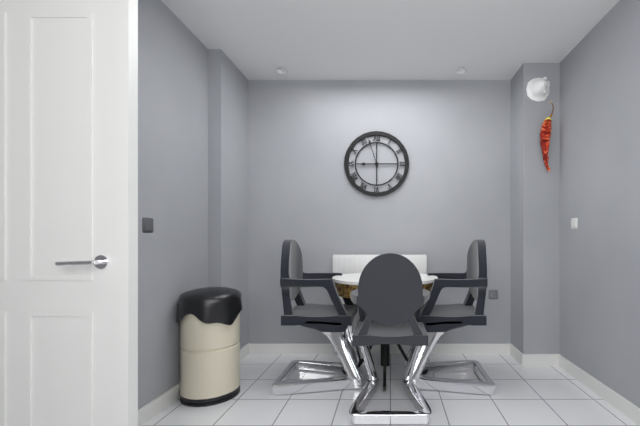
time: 8:57
